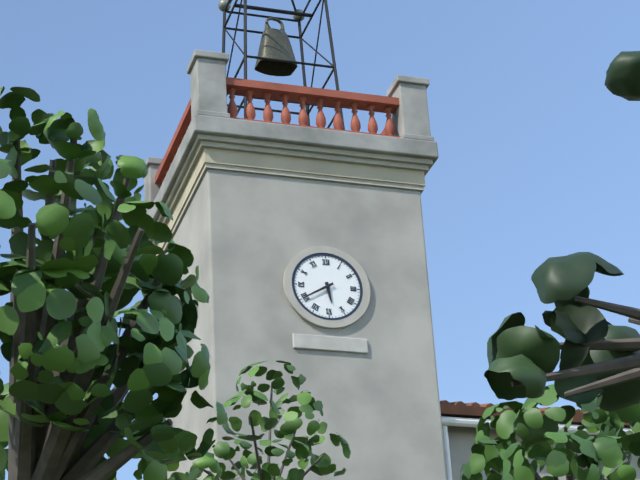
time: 5:40
